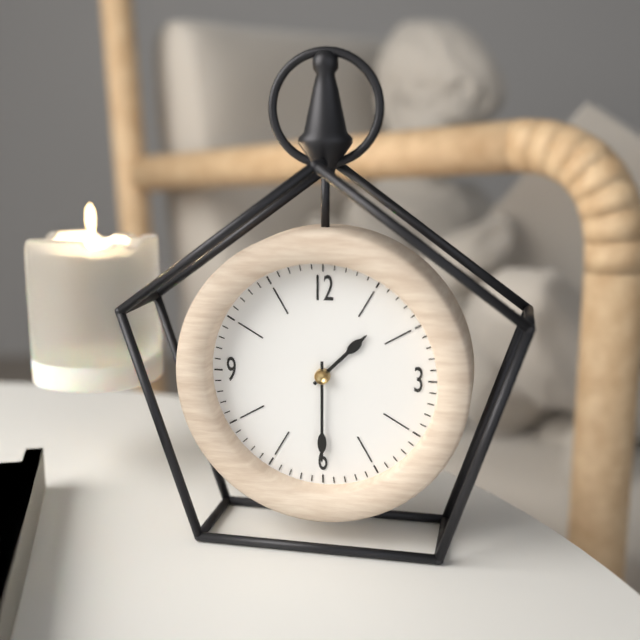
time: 1:30
